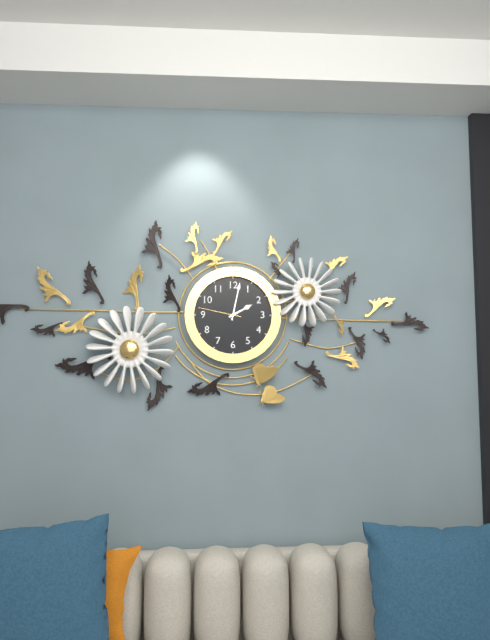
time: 2:02
